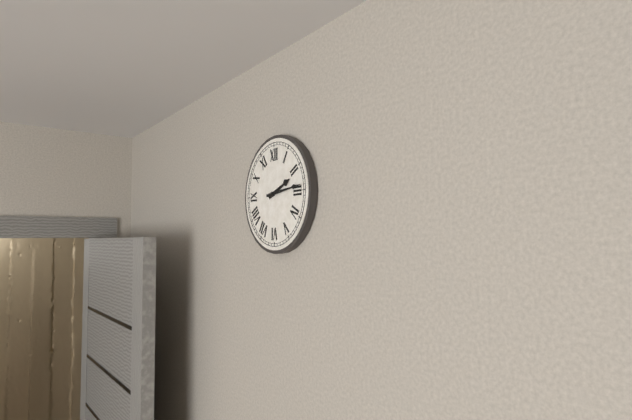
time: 2:14
